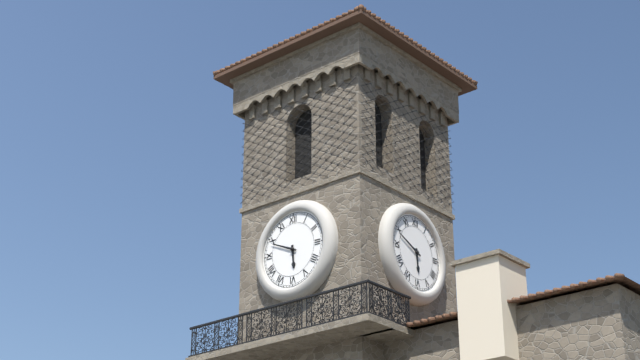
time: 5:49
